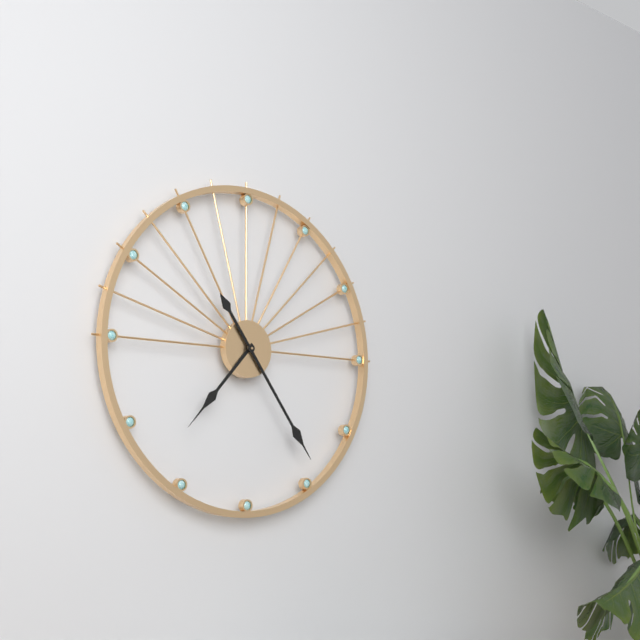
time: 7:24
